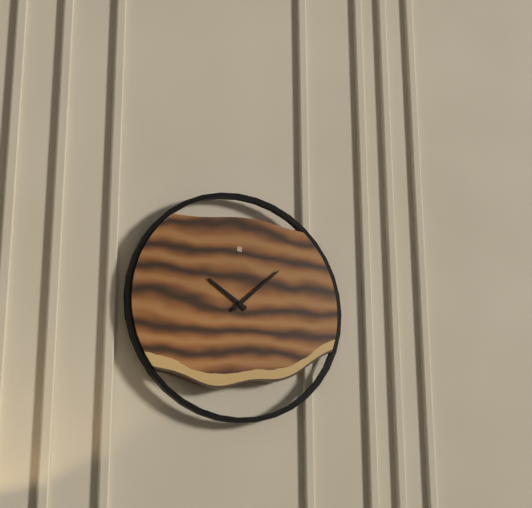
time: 10:08
